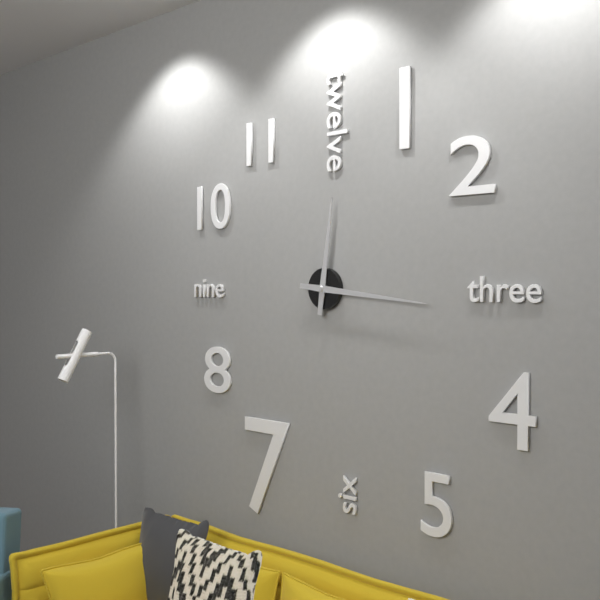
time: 12:16
